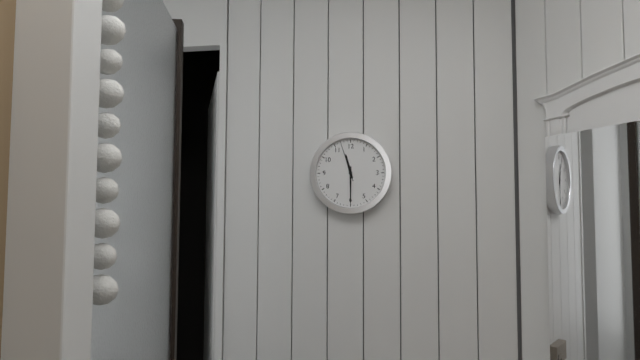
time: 11:30
